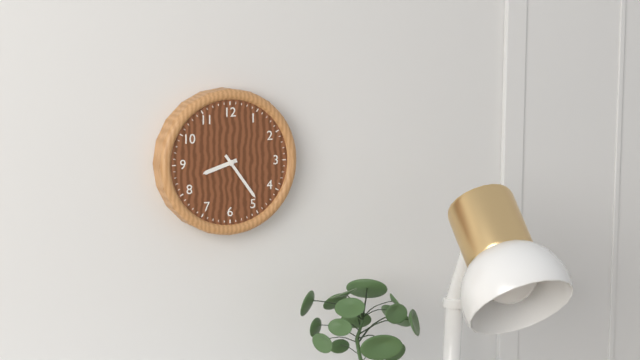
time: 8:24
